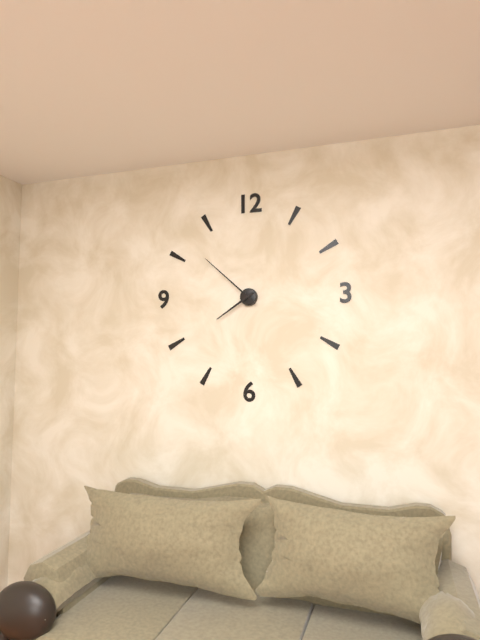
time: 7:52
